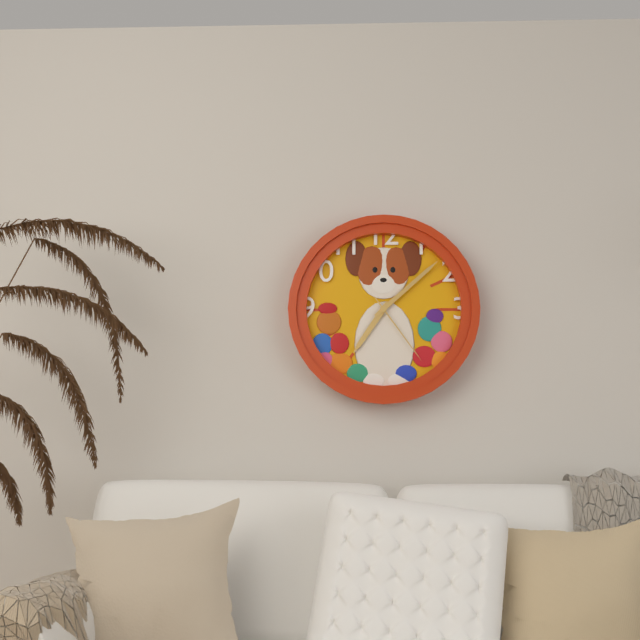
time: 7:08:24
